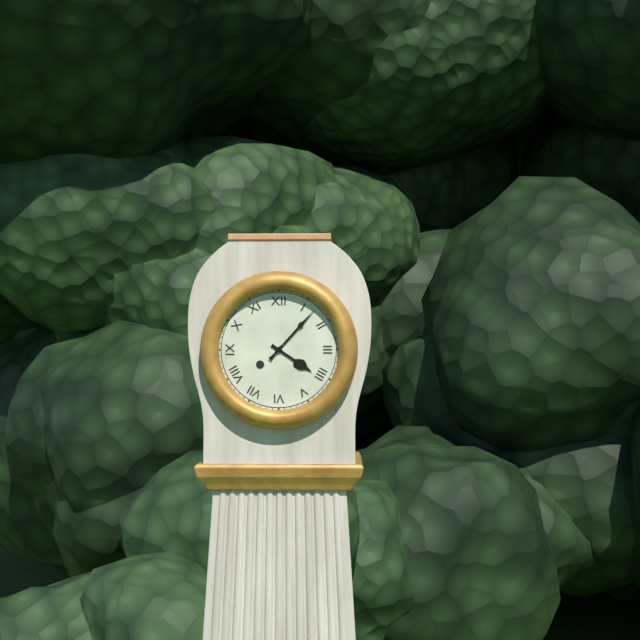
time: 4:07
